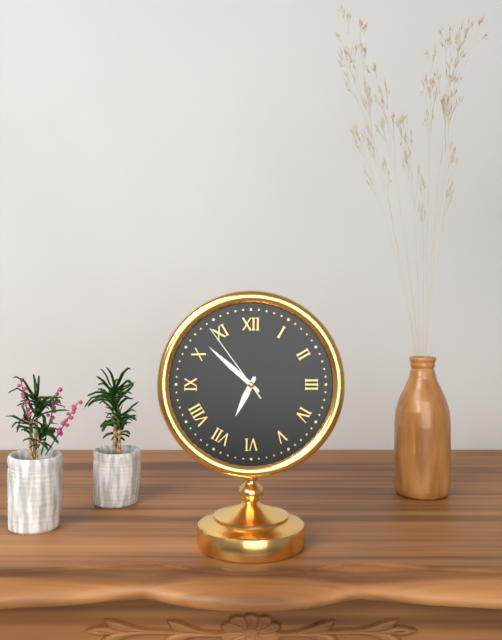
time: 6:52:54
